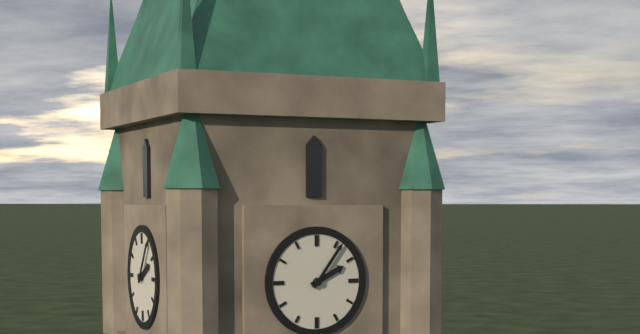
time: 2:06
